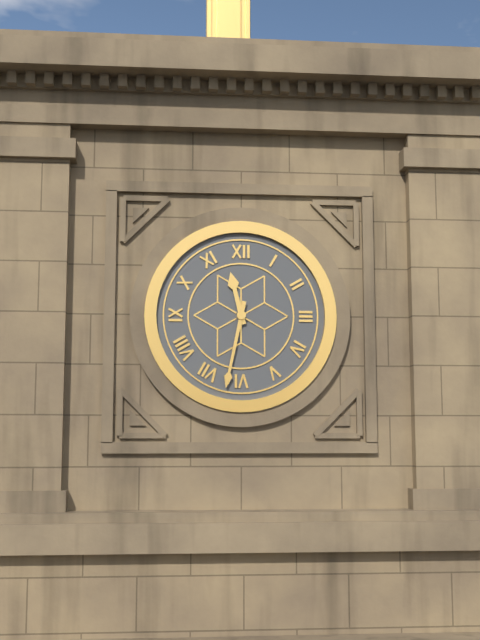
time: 11:32
